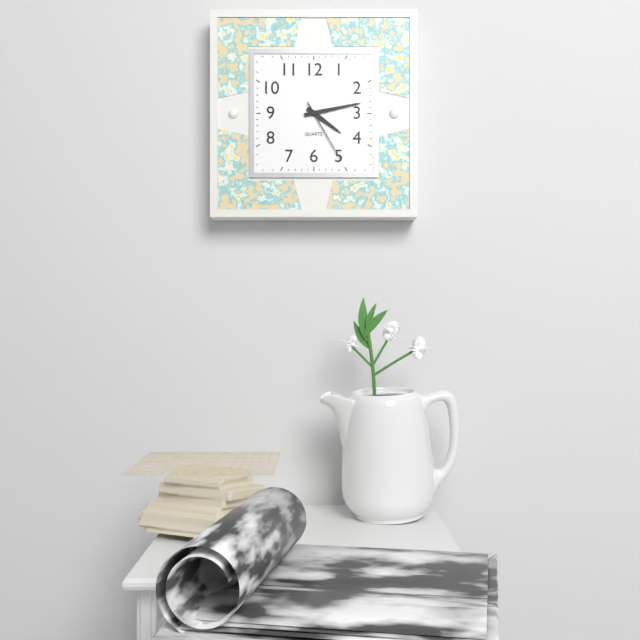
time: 4:13:25
